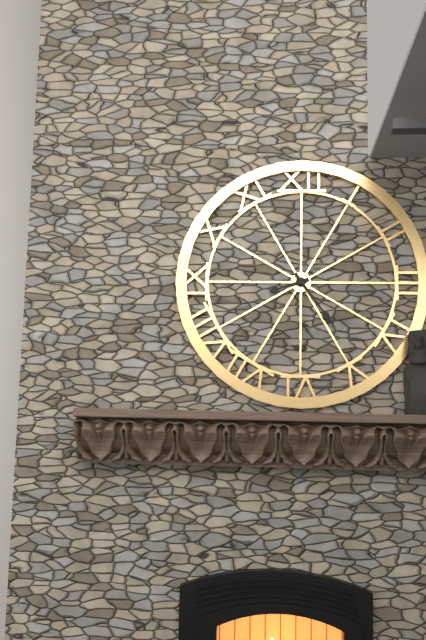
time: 8:24
